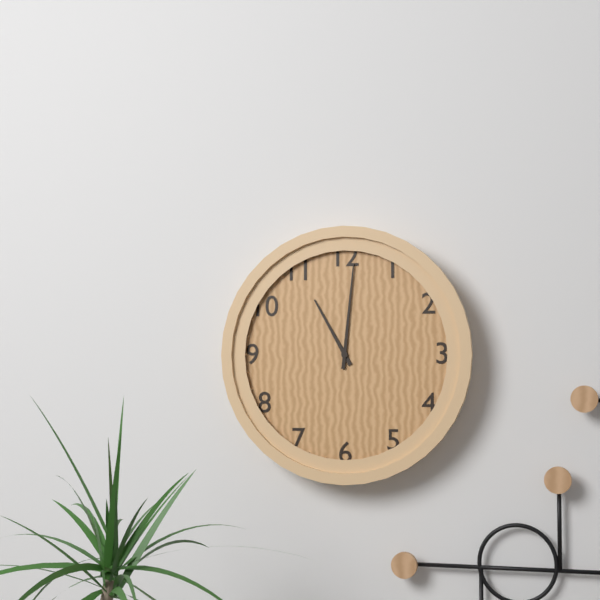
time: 11:01
